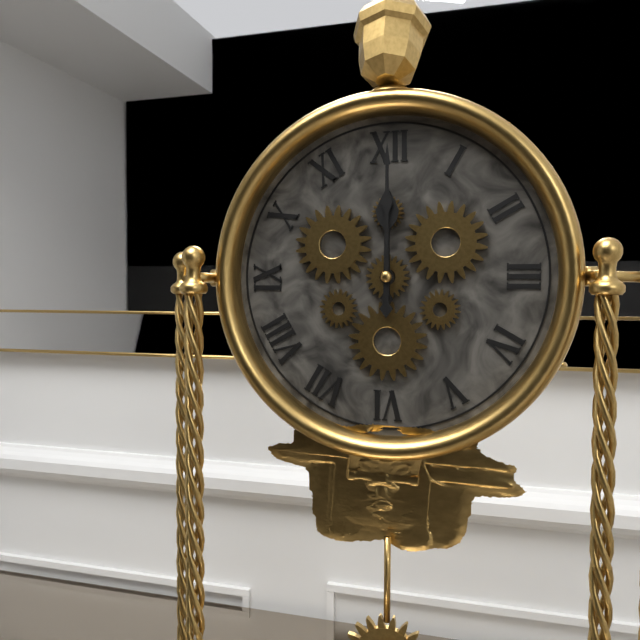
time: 12:00
